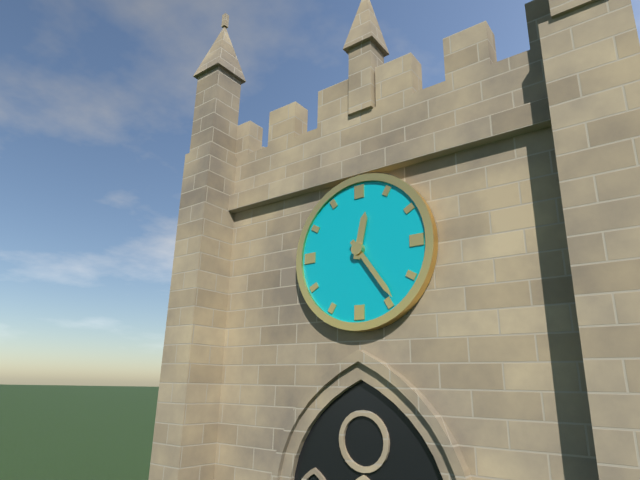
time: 12:24
